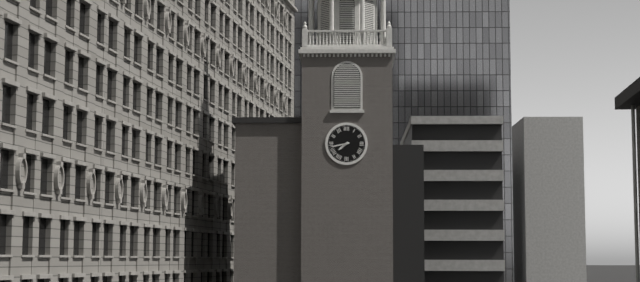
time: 7:43
